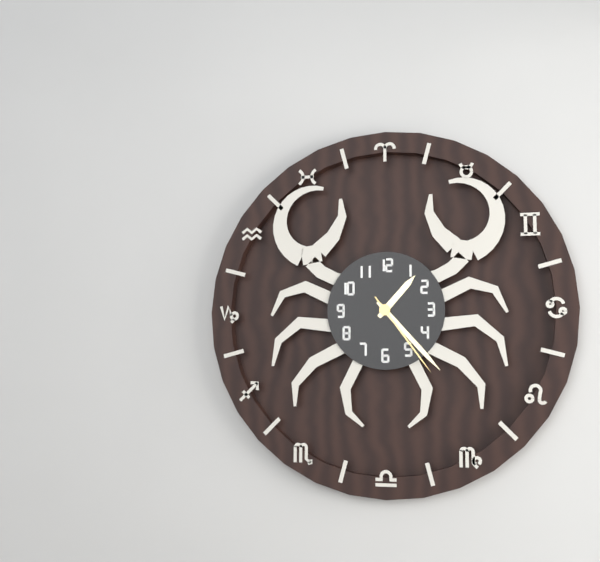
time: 1:23:24
